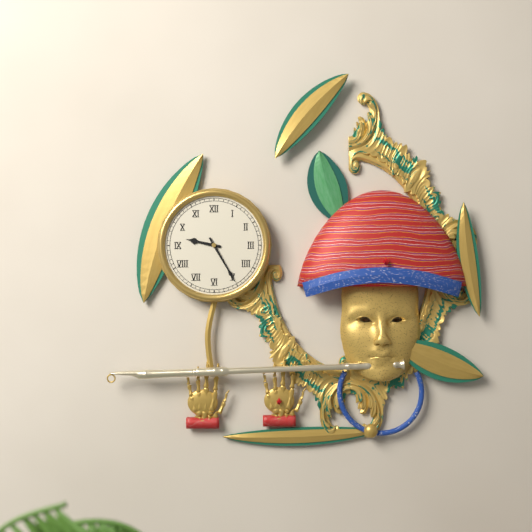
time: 9:25
